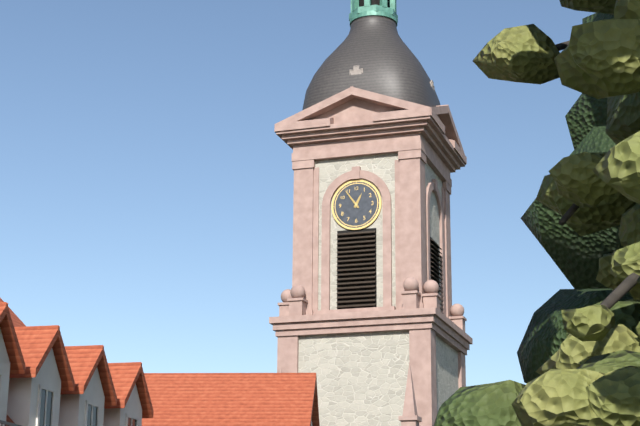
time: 12:54
